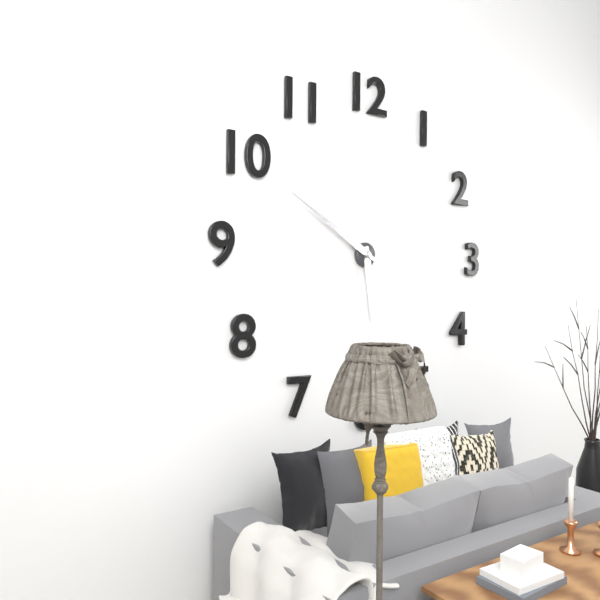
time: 5:50
